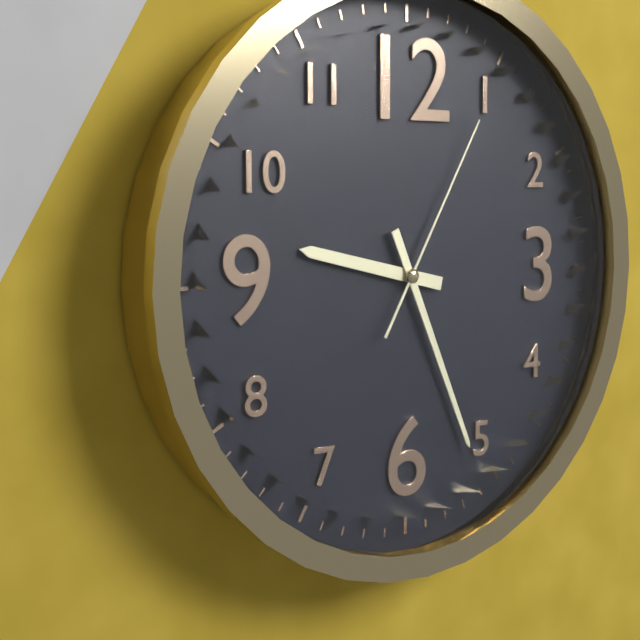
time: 9:26:05
